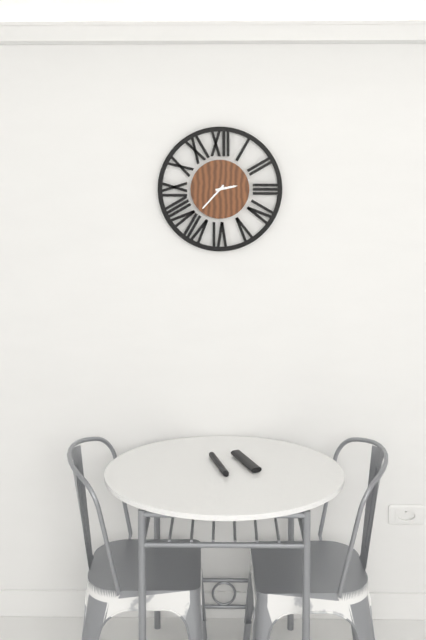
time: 2:37
